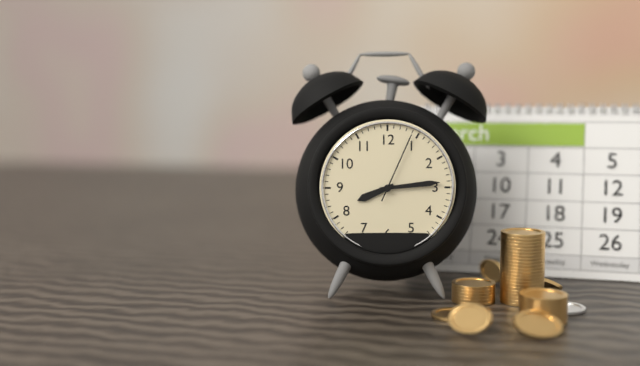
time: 8:14:04
